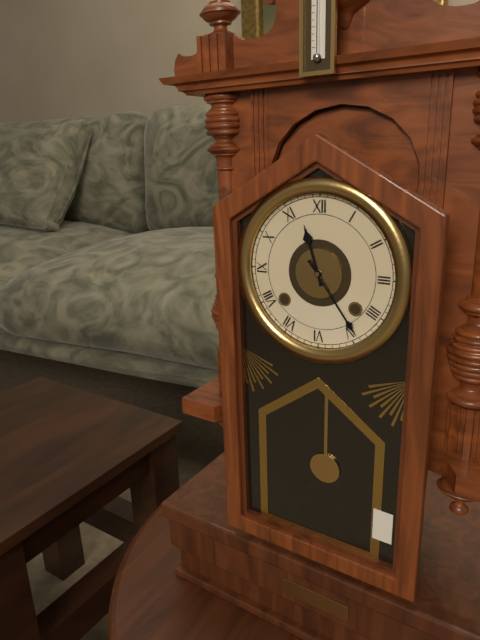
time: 11:24
